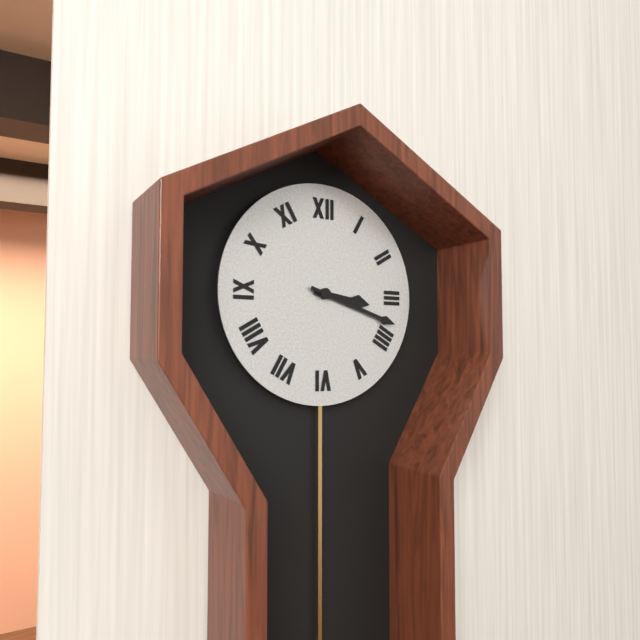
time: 3:18
